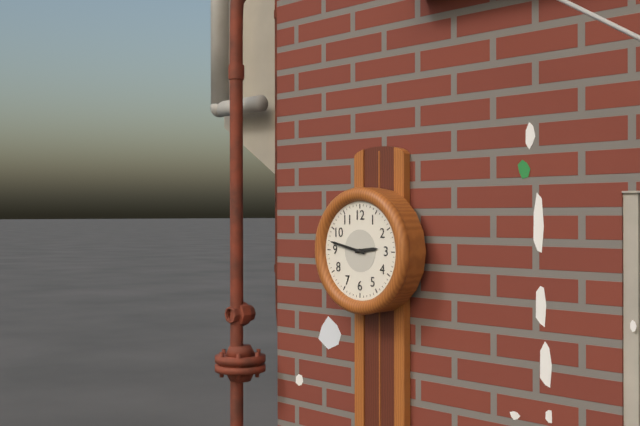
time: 2:47
